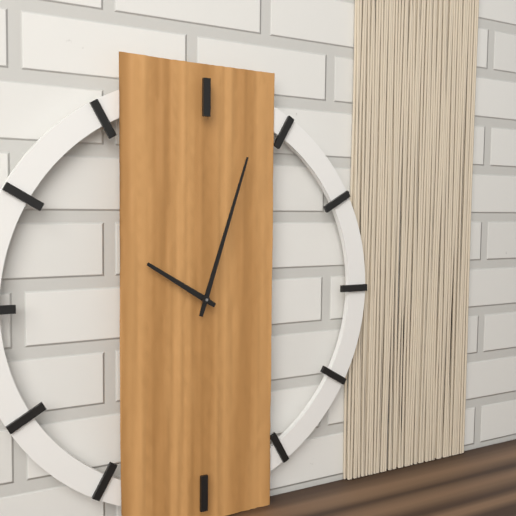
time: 10:03
